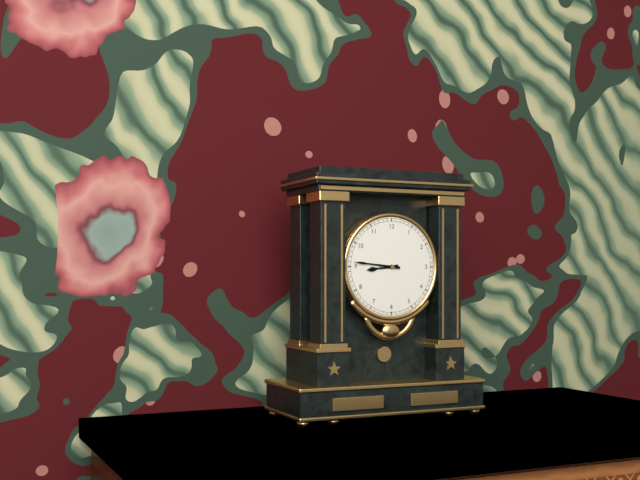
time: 8:46
